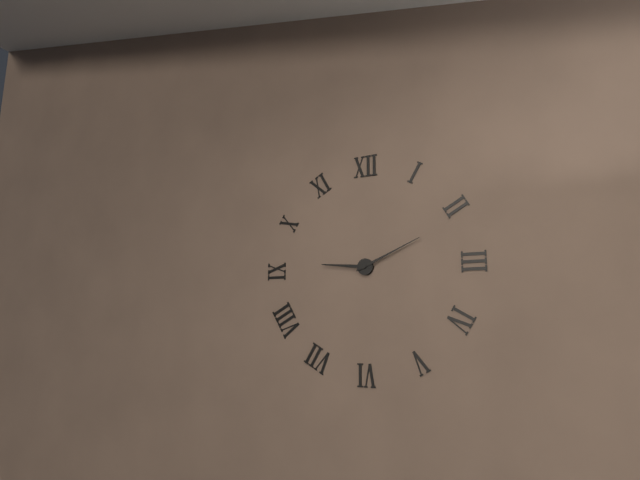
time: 9:11
